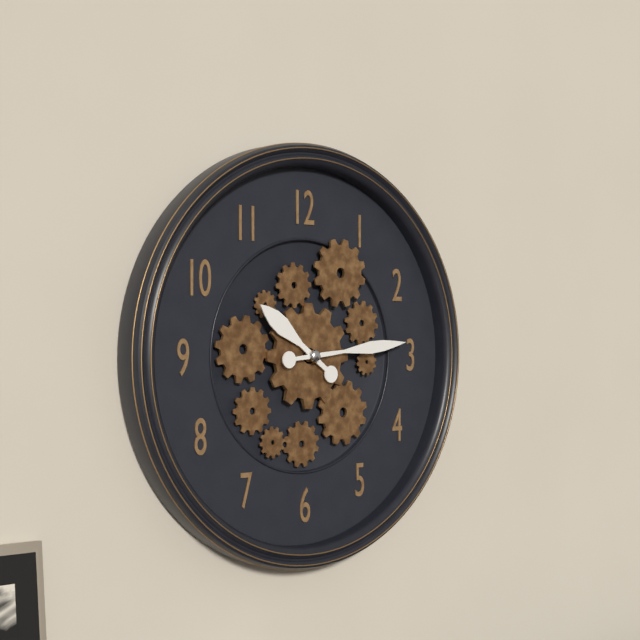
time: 10:14
